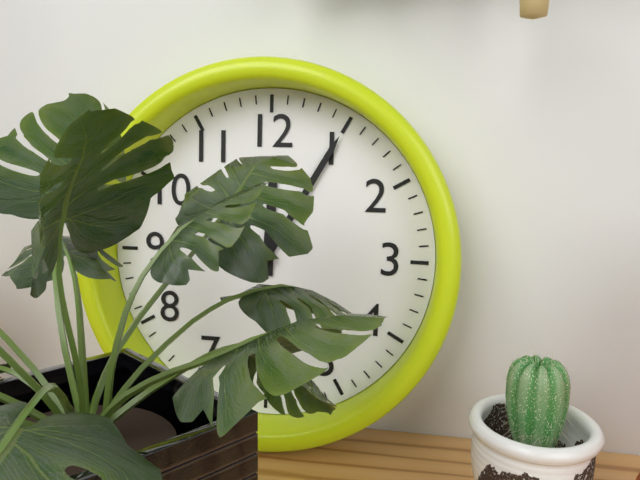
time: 12:05
